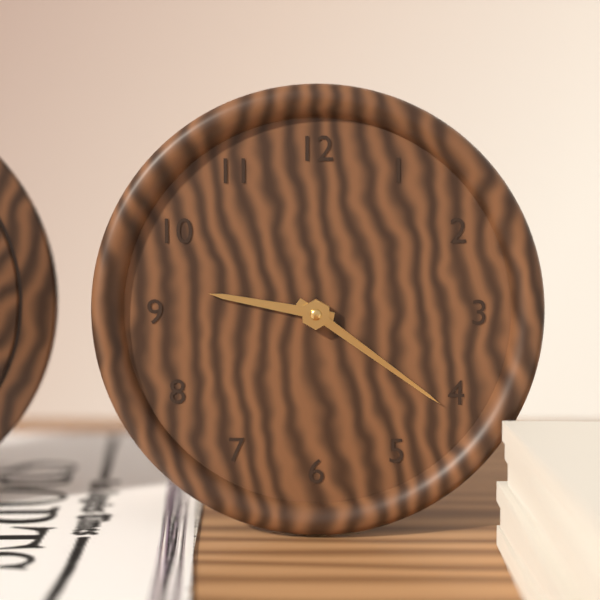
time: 9:21
